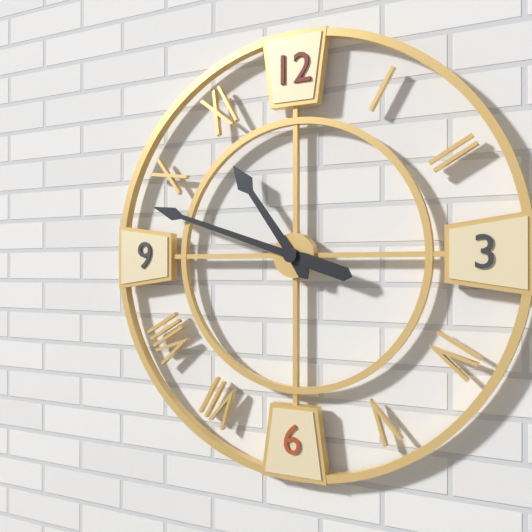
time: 10:48
